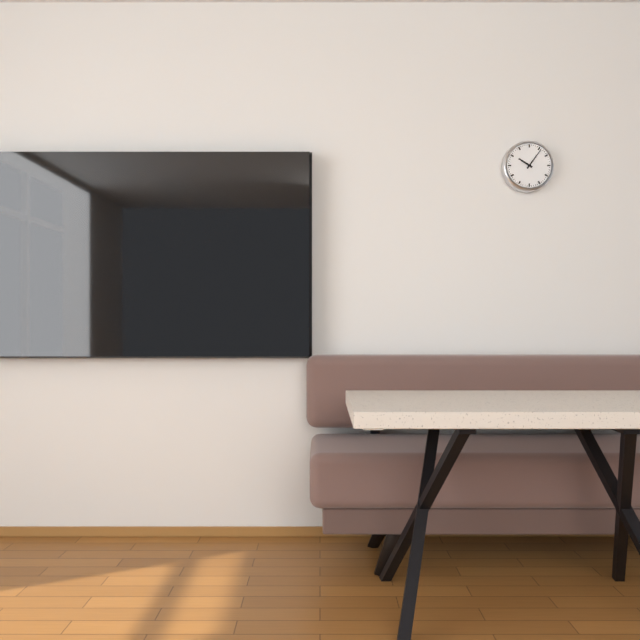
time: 10:06
